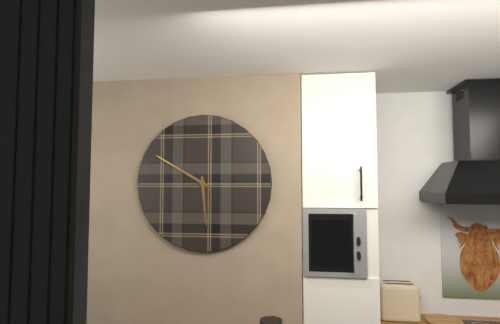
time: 5:50
